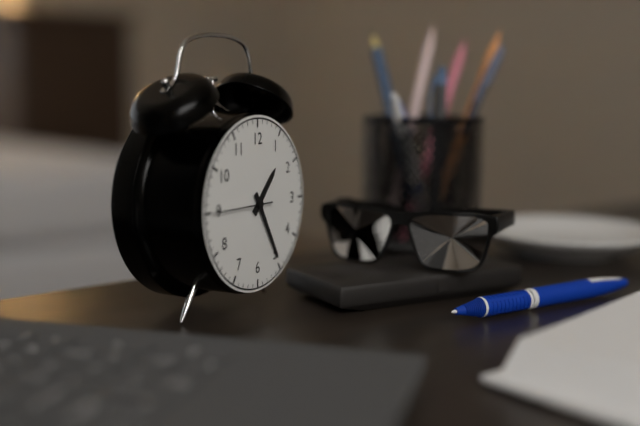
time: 1:25:45
